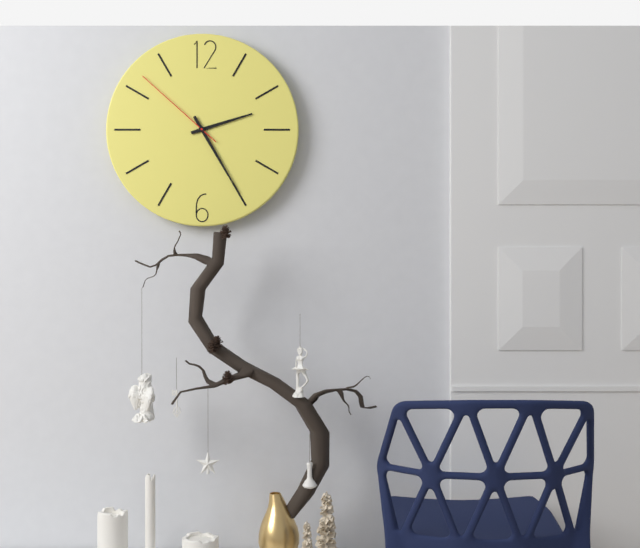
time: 2:25:52
